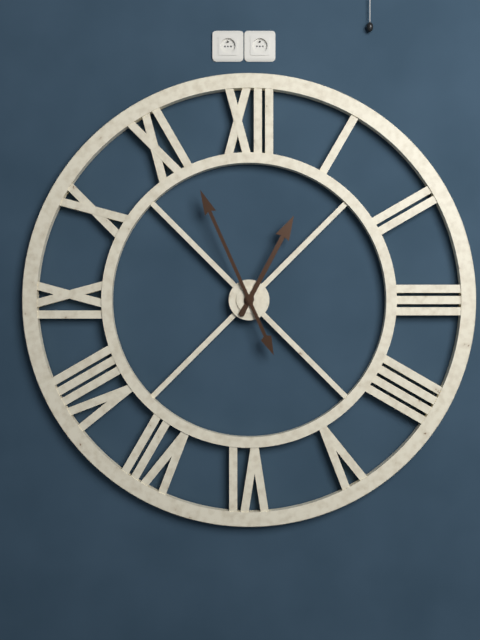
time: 12:56
